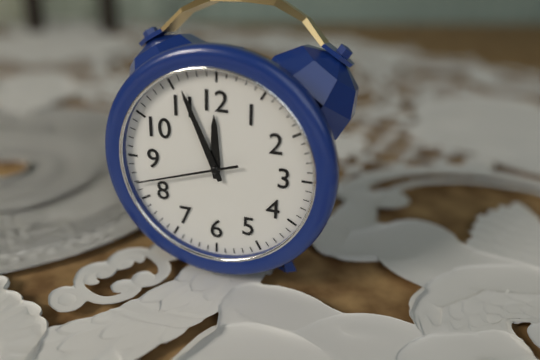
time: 11:56:42
